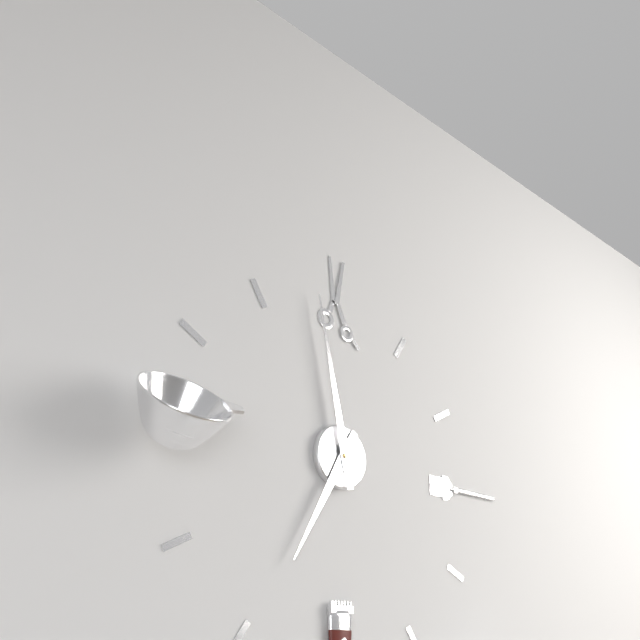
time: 6:58
